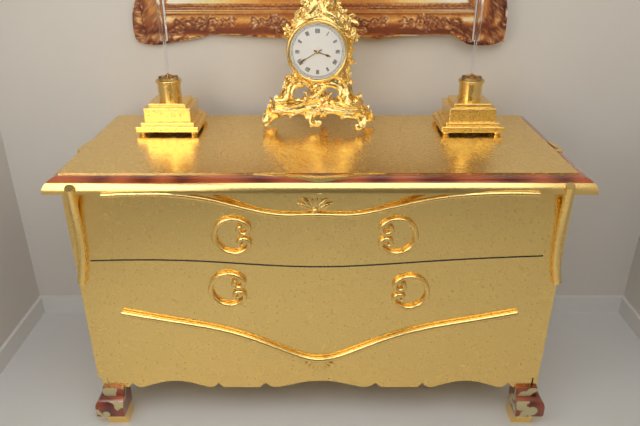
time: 3:40
